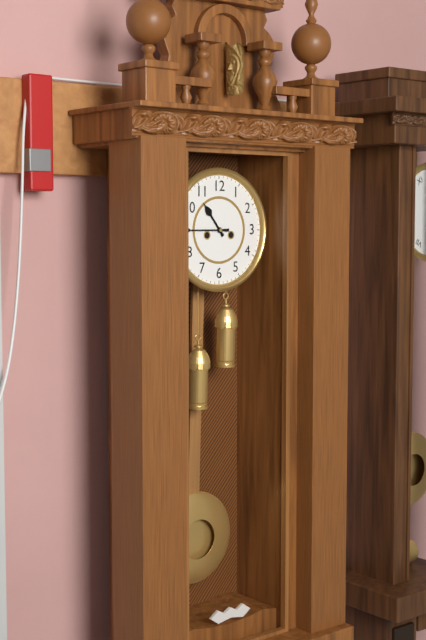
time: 10:45
